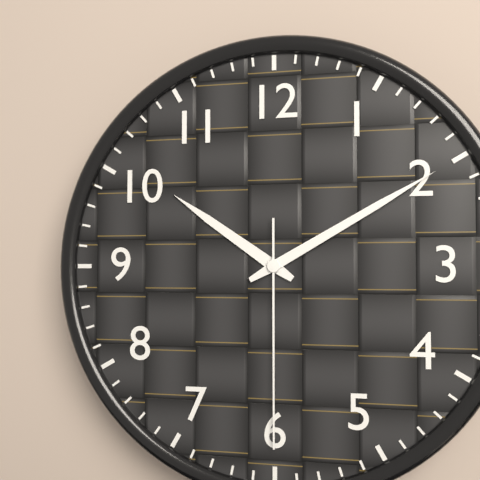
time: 10:10:30
